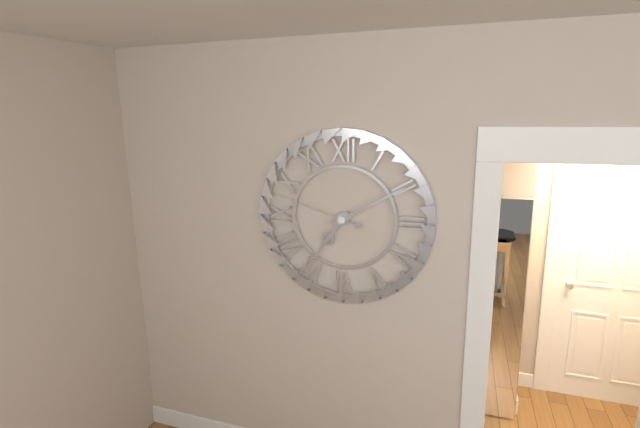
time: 7:10:48
